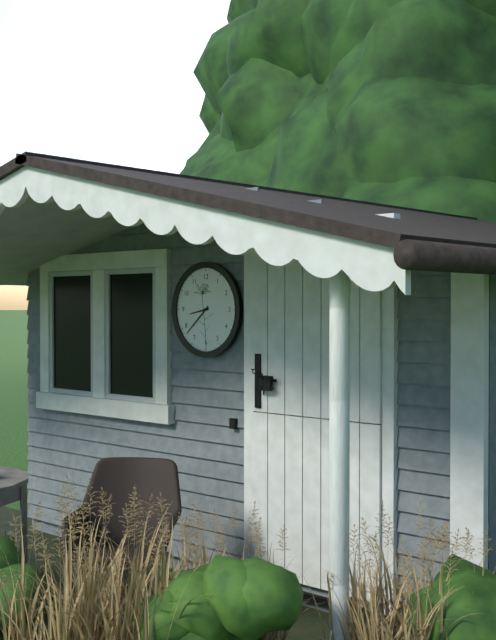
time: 8:38
